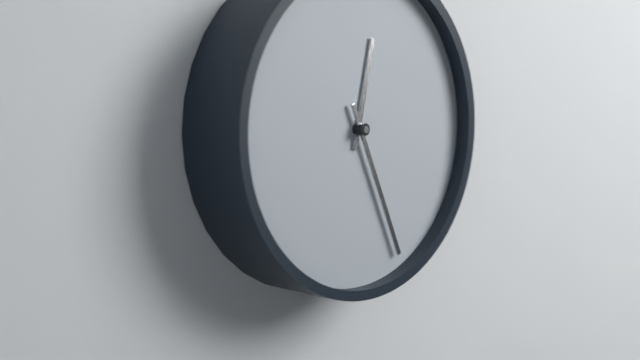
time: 12:26
